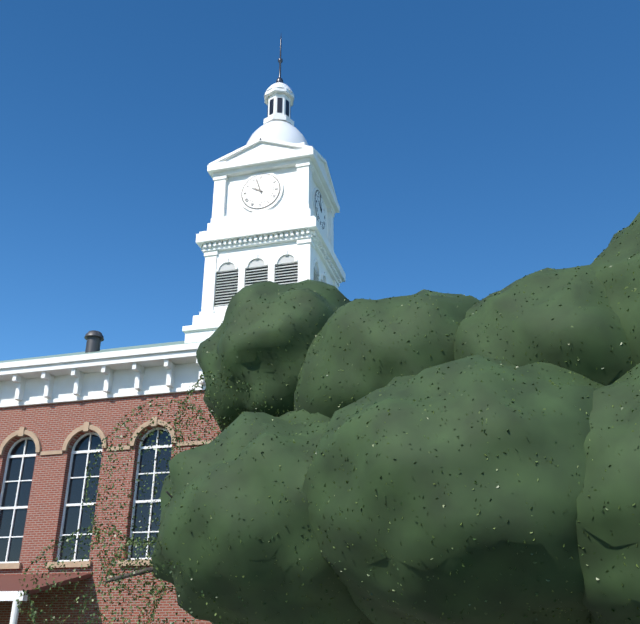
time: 9:57
